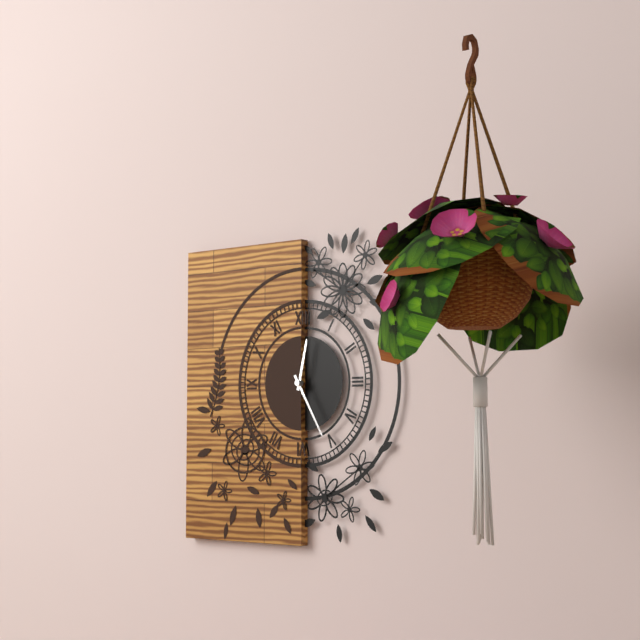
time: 12:25
